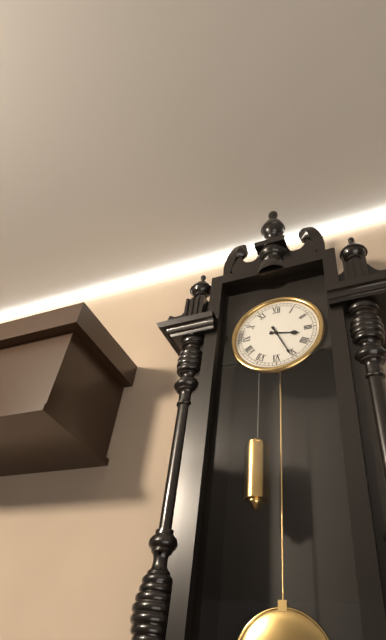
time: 3:26
